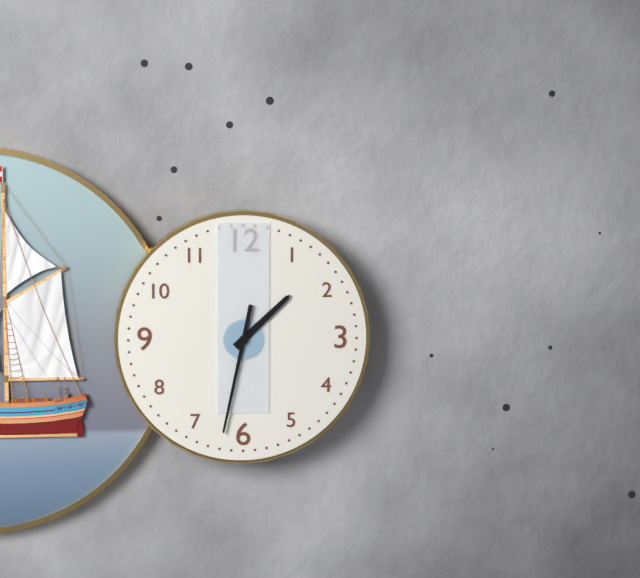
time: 1:32
